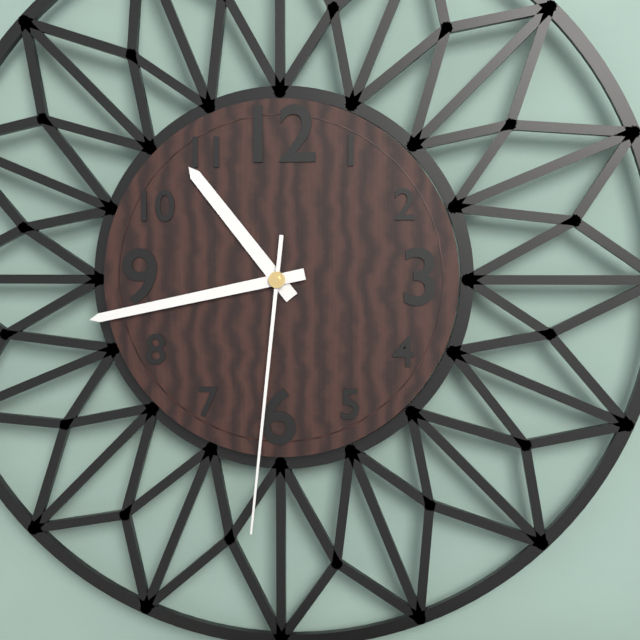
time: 10:43:31
